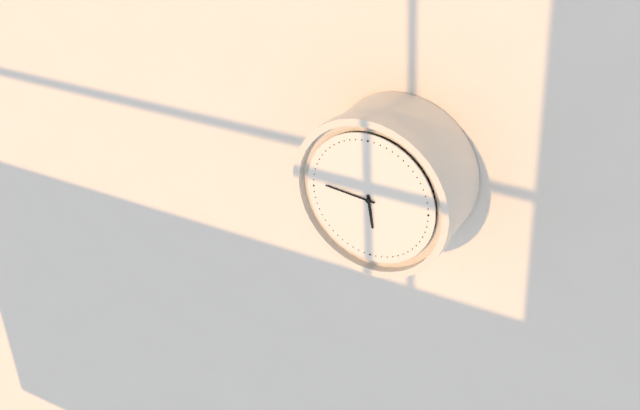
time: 5:46
